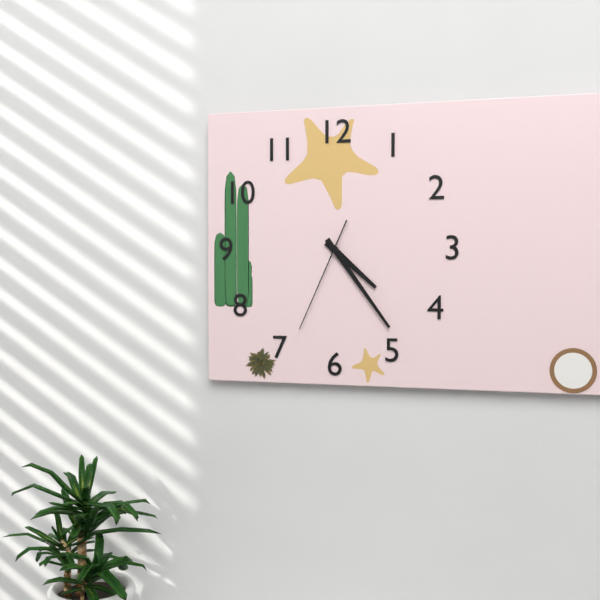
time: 4:24:34
